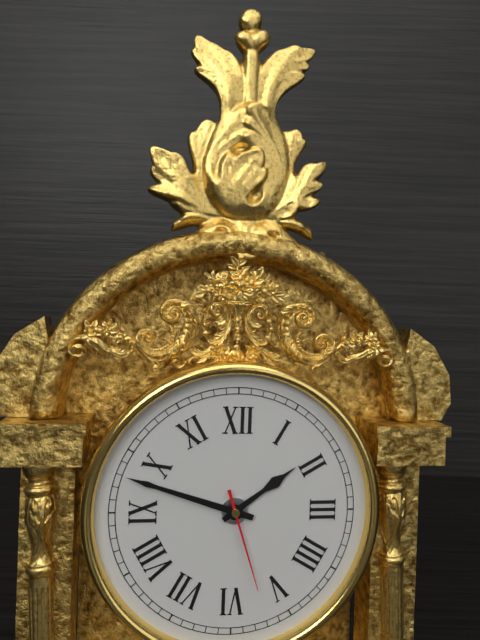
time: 1:48:27
